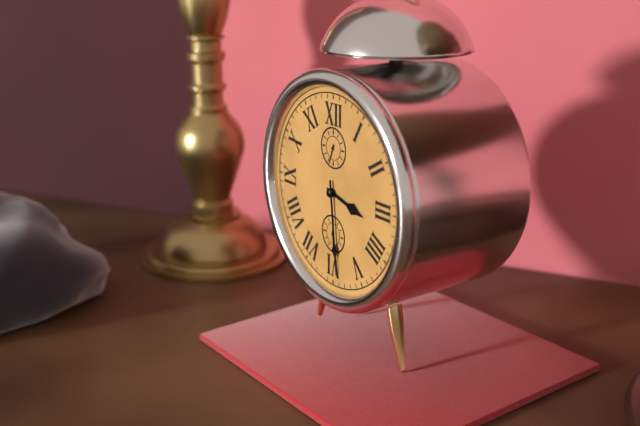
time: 3:29
